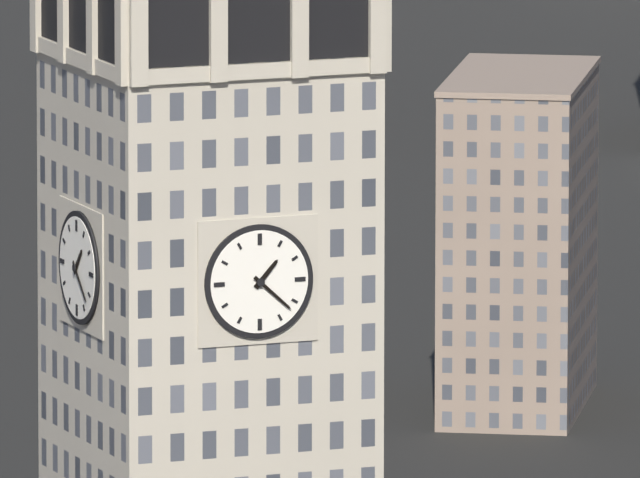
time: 1:22
